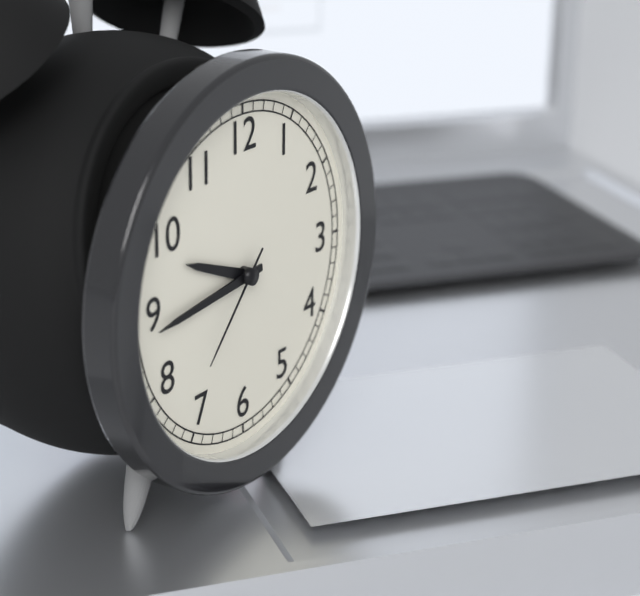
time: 9:44:37
